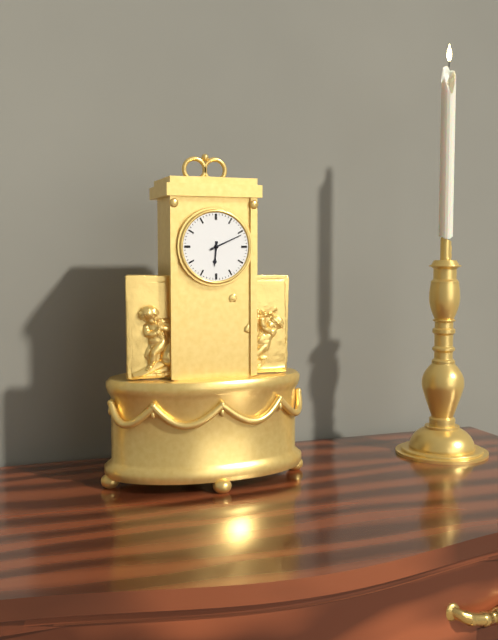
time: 6:11
